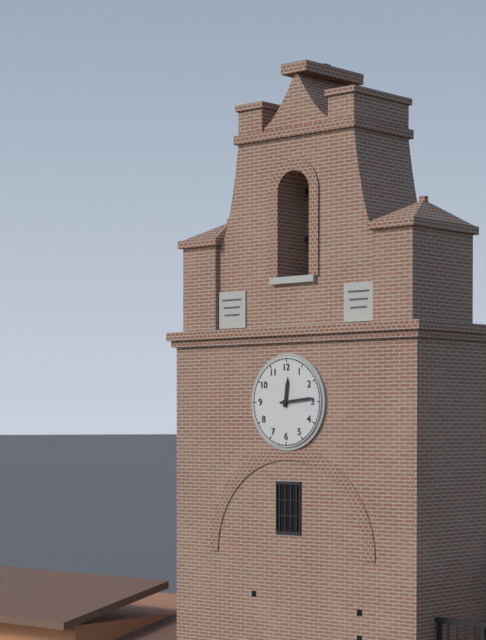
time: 12:14
